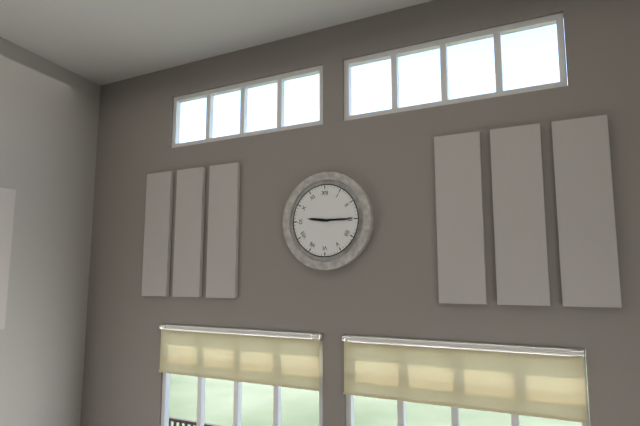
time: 9:15
